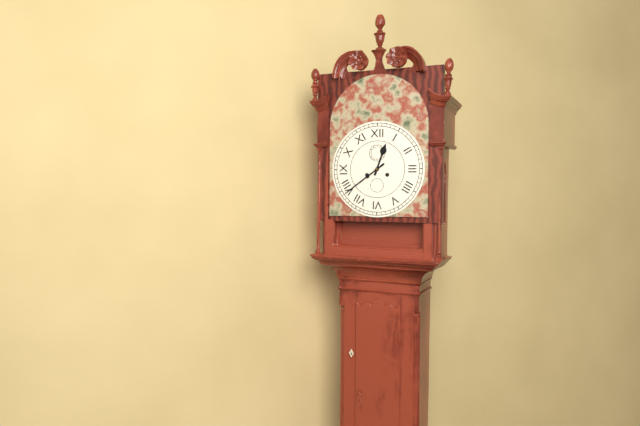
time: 12:39
